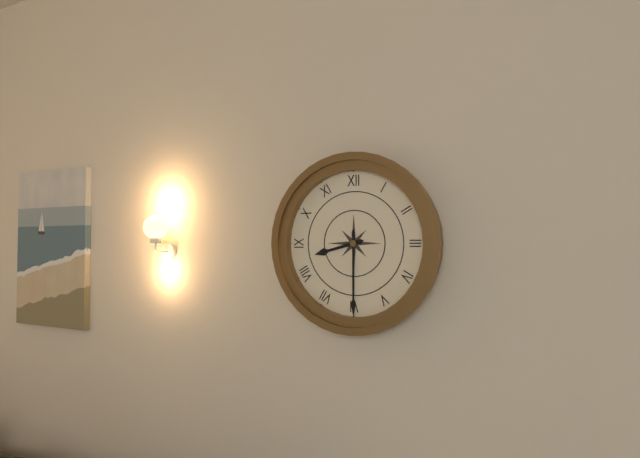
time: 8:30
